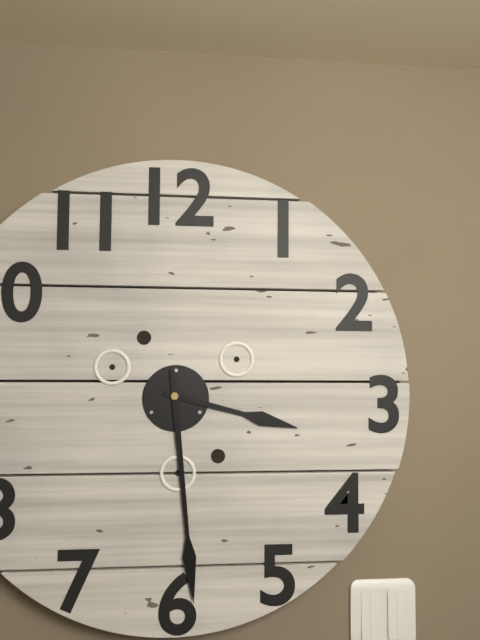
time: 3:29
